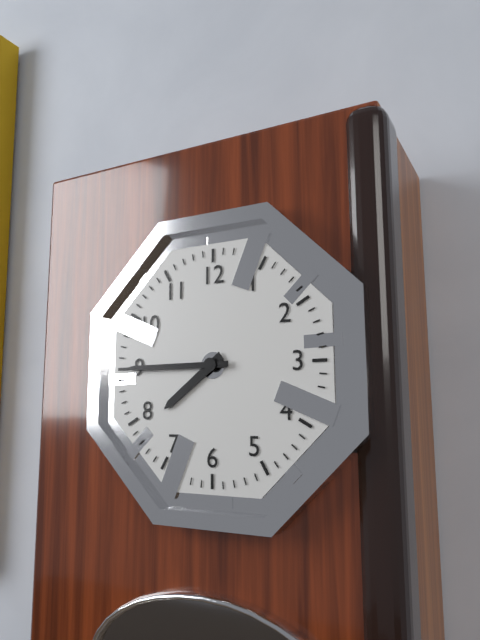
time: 7:45
